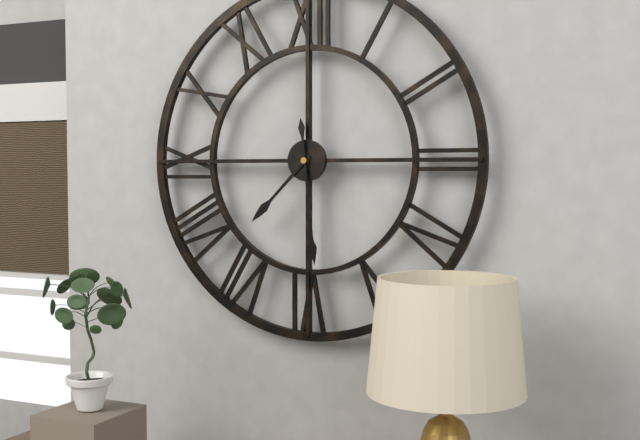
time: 7:29
